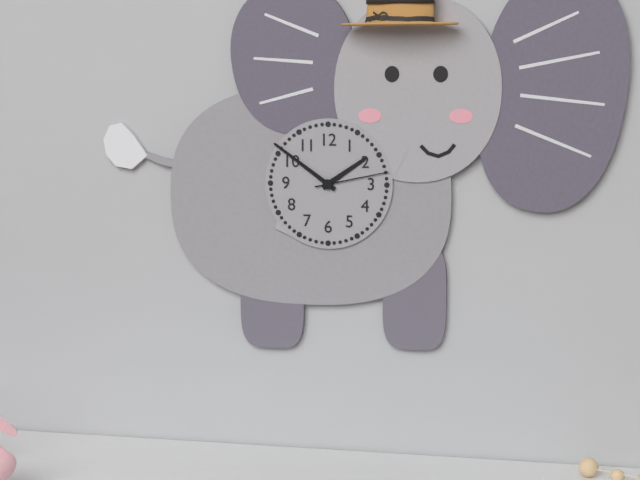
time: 1:51:13
